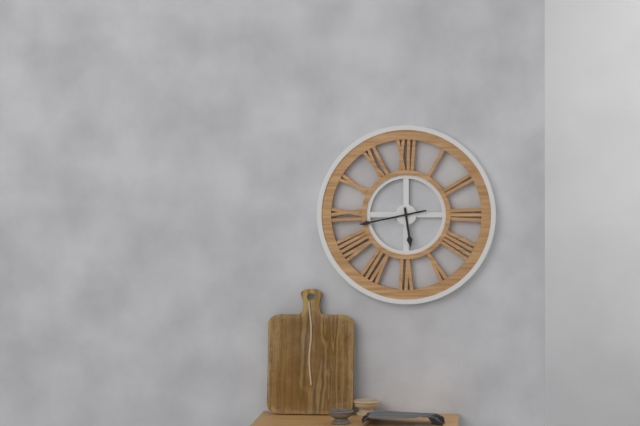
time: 5:43
